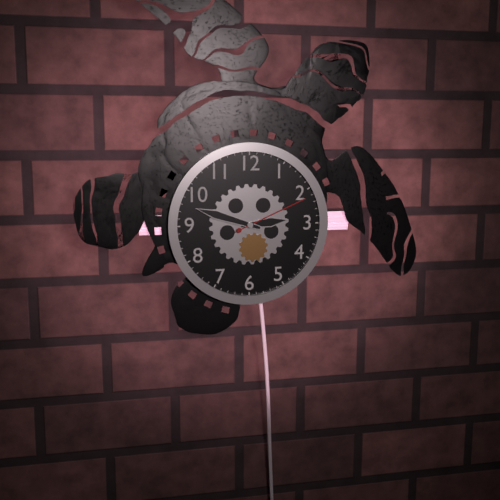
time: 2:48:11
